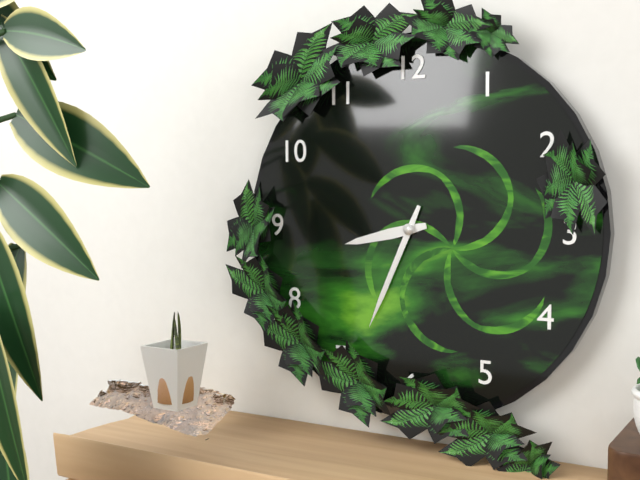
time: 8:34
